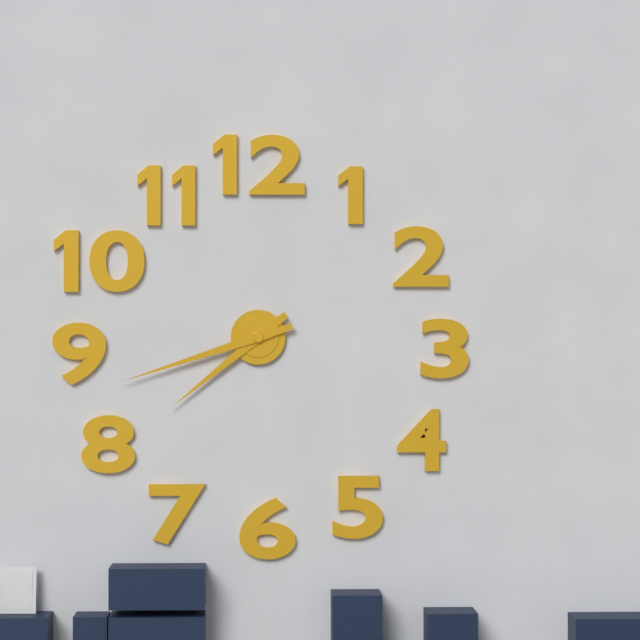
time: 7:42
